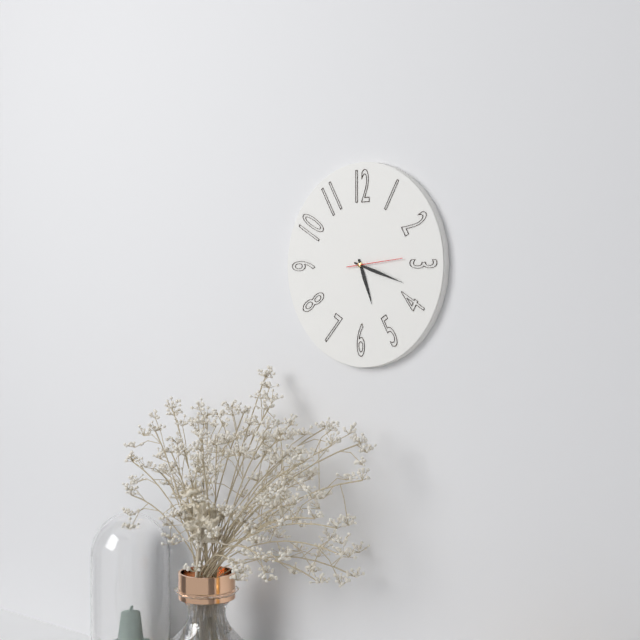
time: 5:18:14
